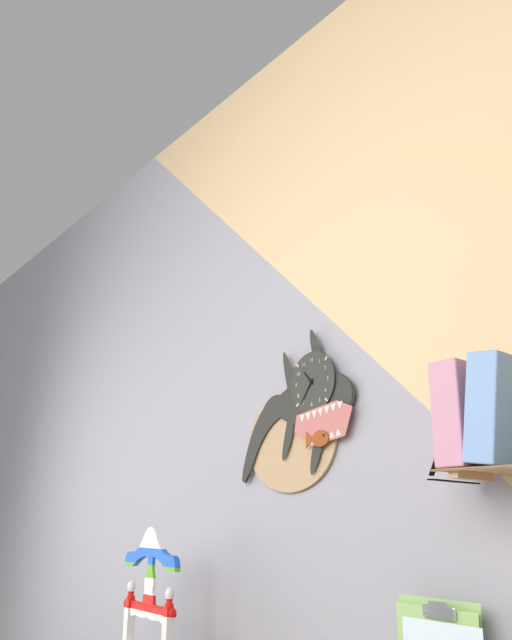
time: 10:36
